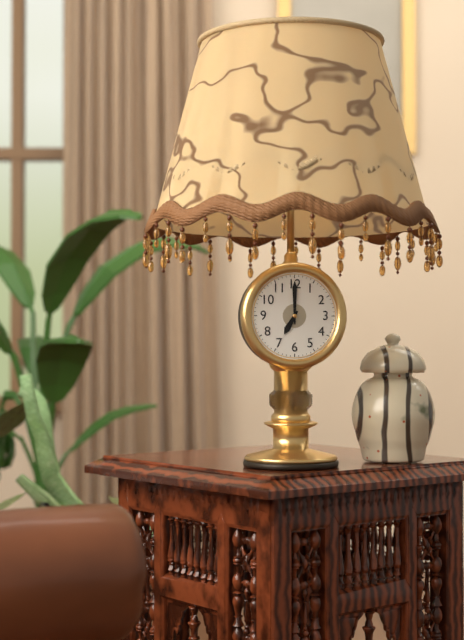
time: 7:00
